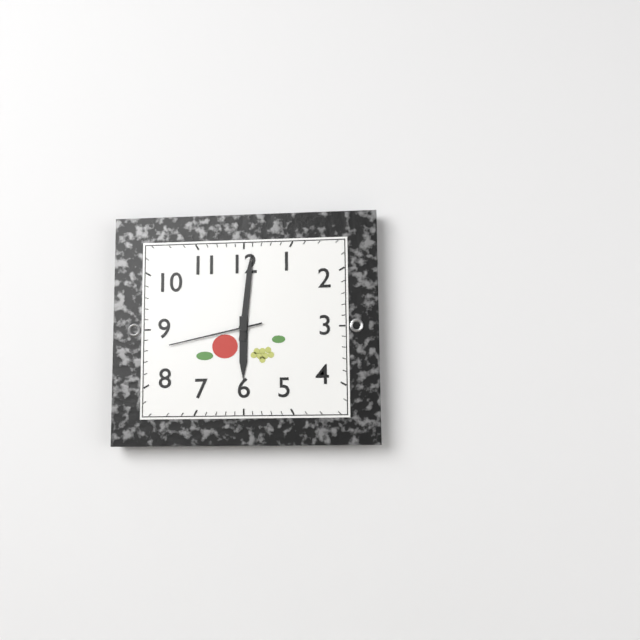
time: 6:01:43
